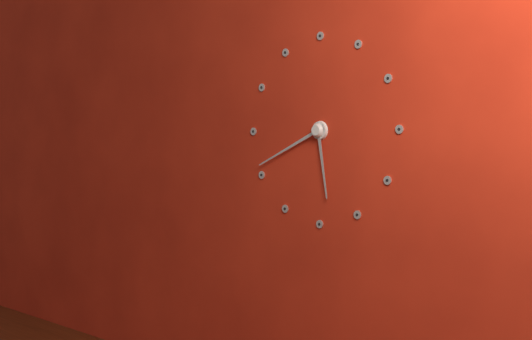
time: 5:41
